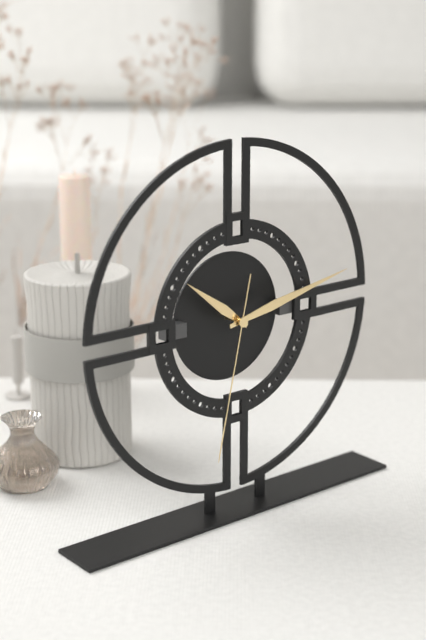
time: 10:13:32
